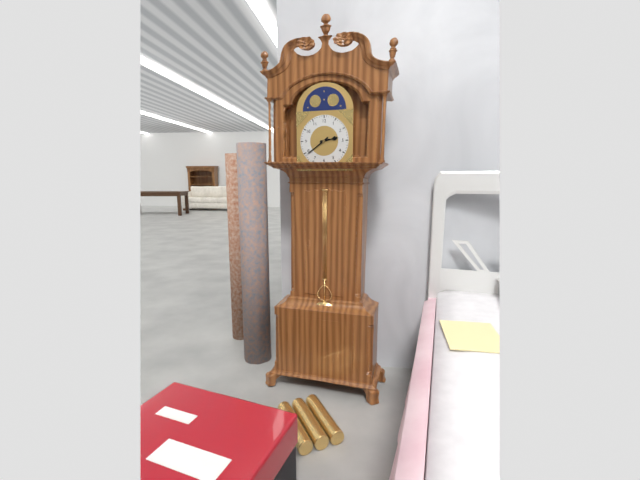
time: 2:39
